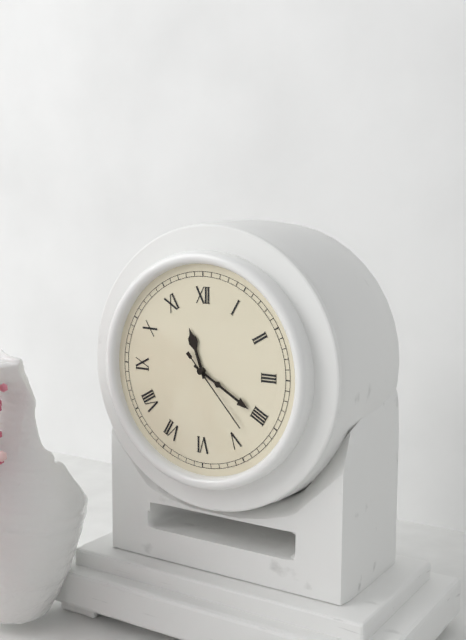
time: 11:20:23
